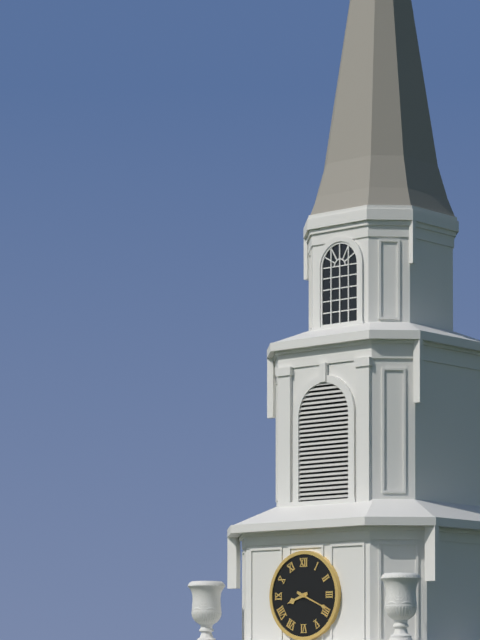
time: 8:19
